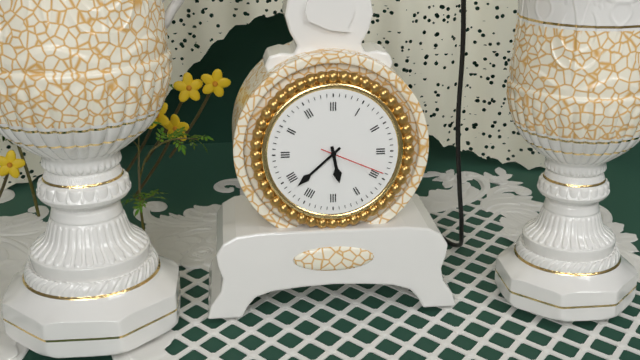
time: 5:38:19
